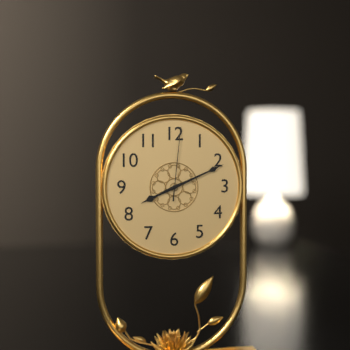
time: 8:11:01
